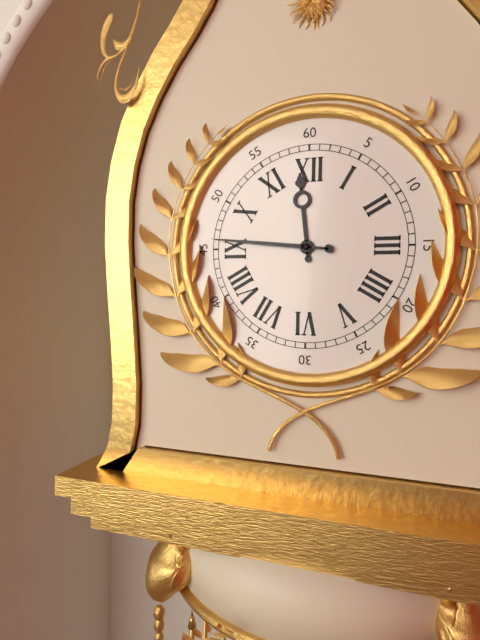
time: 11:46
